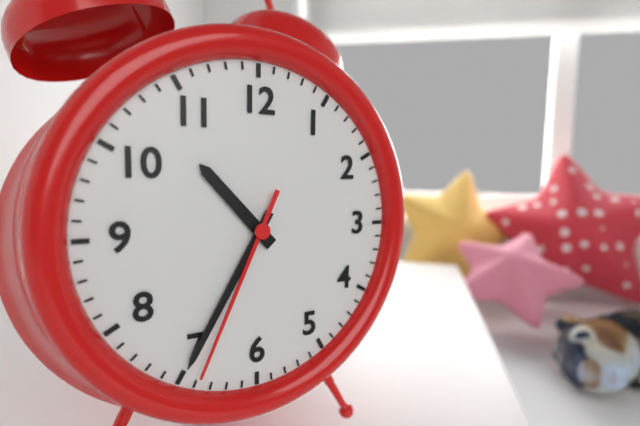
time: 10:35:34
